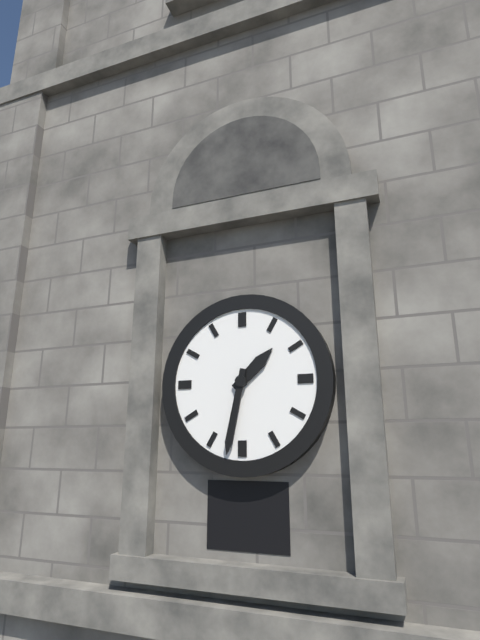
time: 1:32
